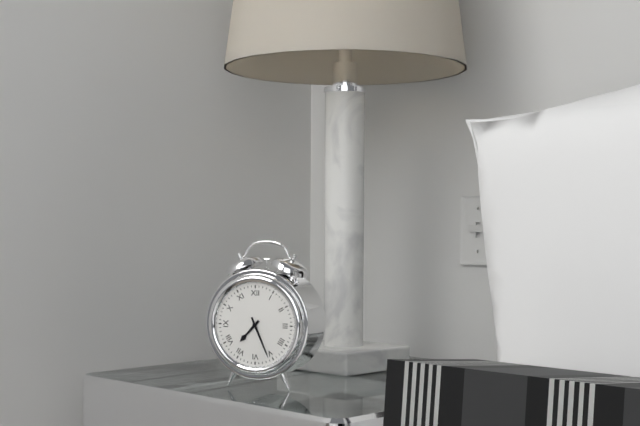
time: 7:26
